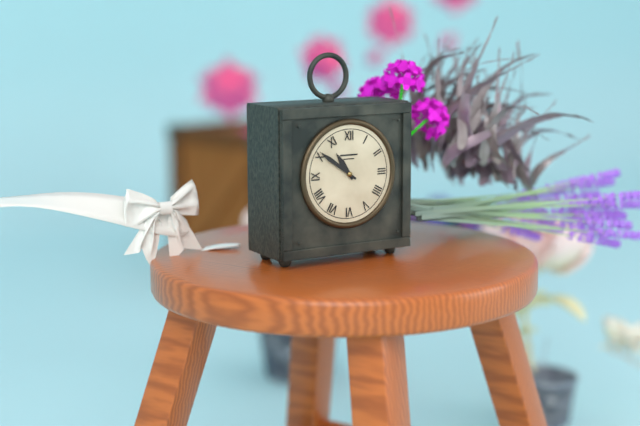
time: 10:51
